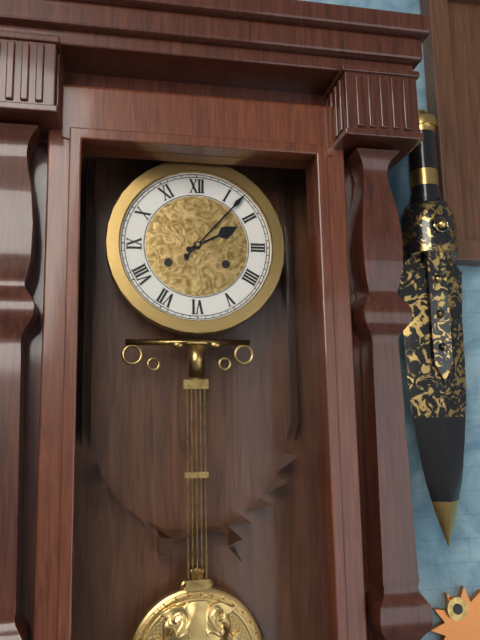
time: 2:07
